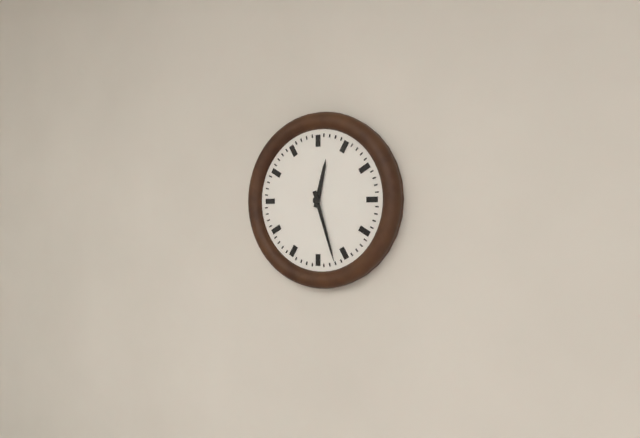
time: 12:27
